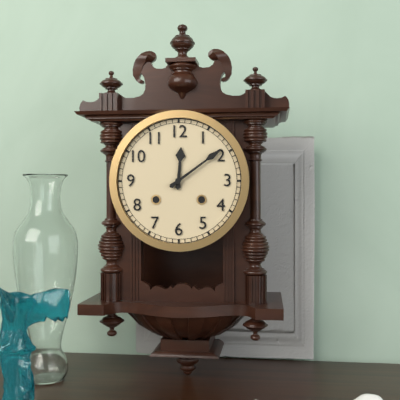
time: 12:09
